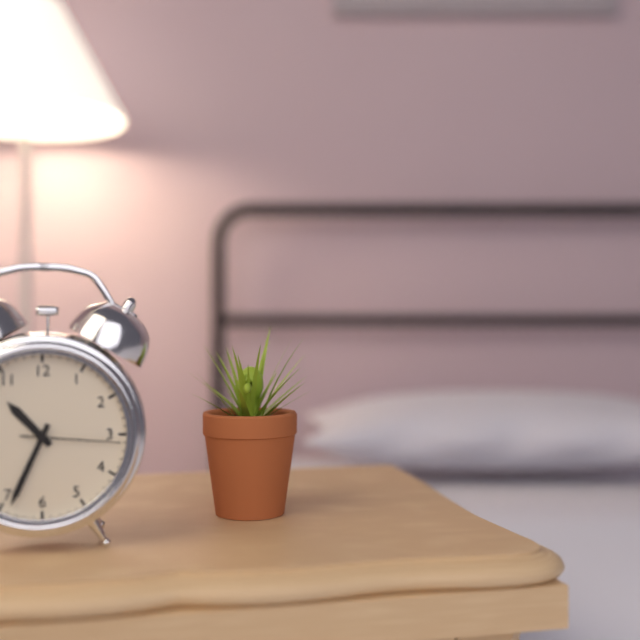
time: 10:34:16
